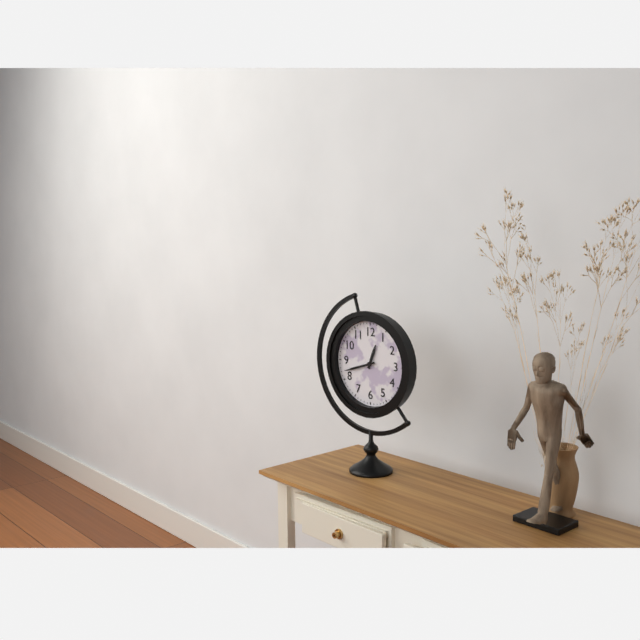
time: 12:42
